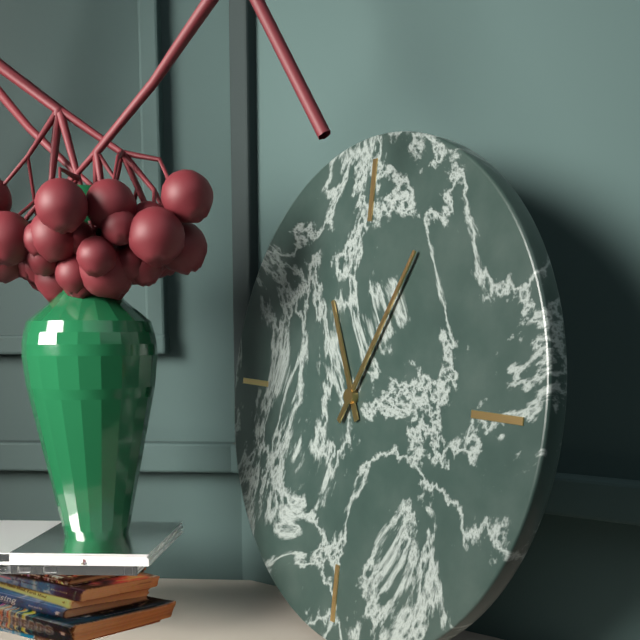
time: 11:05
